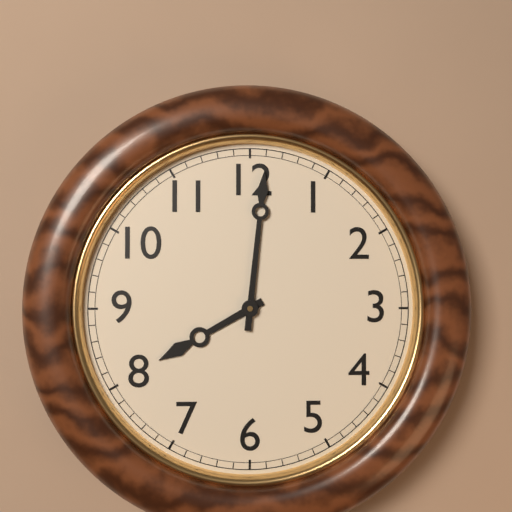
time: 8:01
